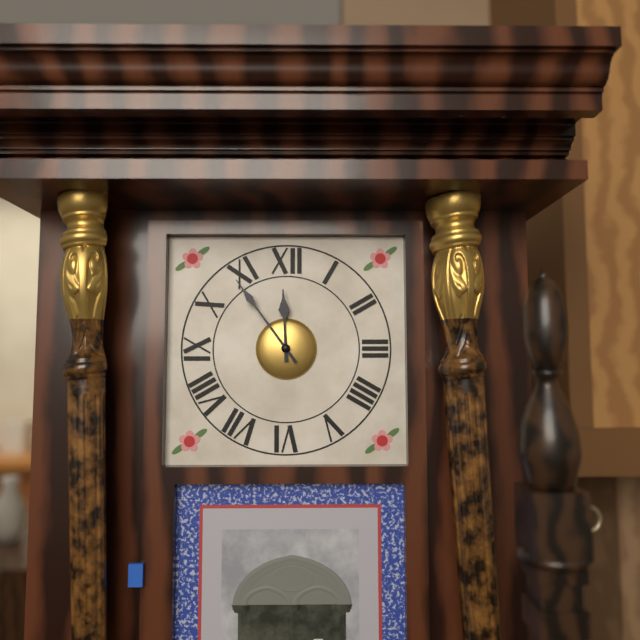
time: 11:54
